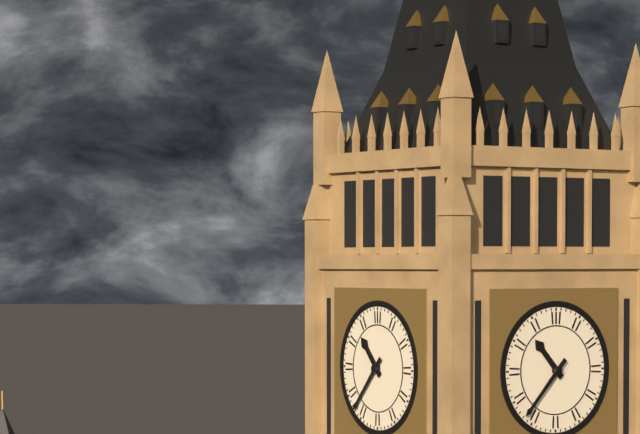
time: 10:37
